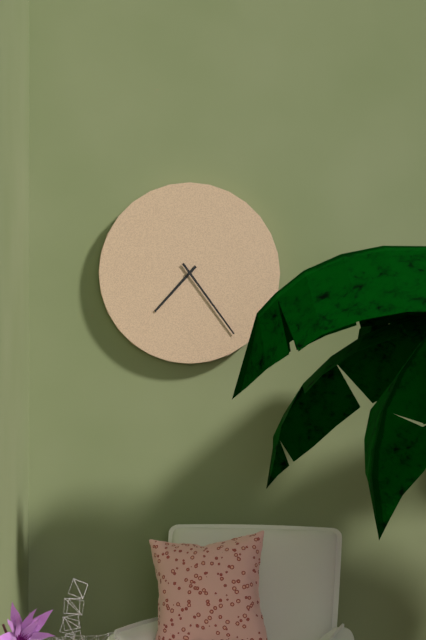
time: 7:24
